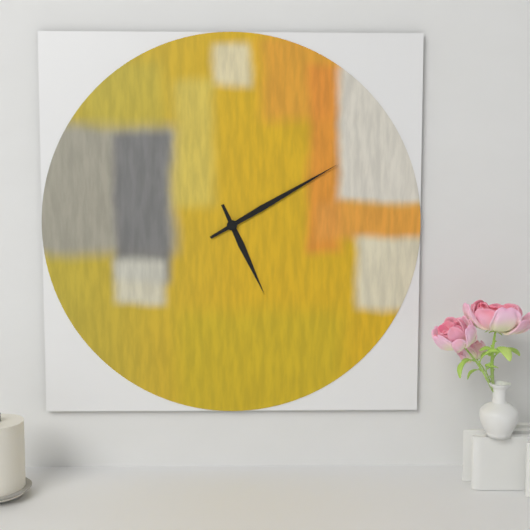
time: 5:10
